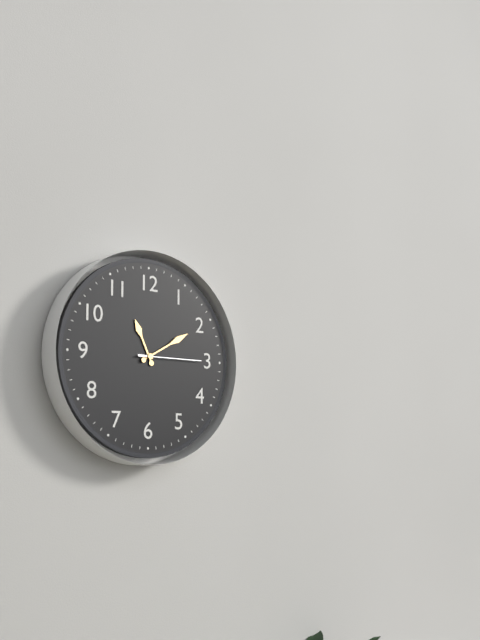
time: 11:10:15
